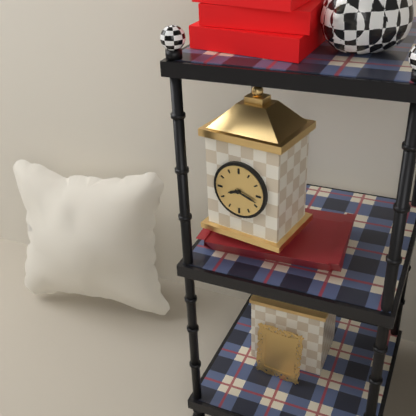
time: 8:18
